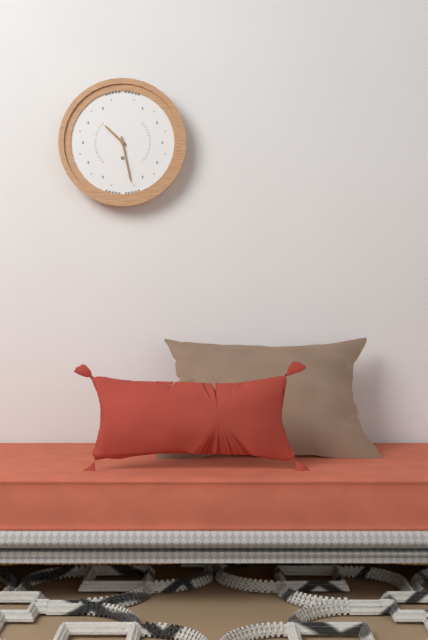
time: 10:28
